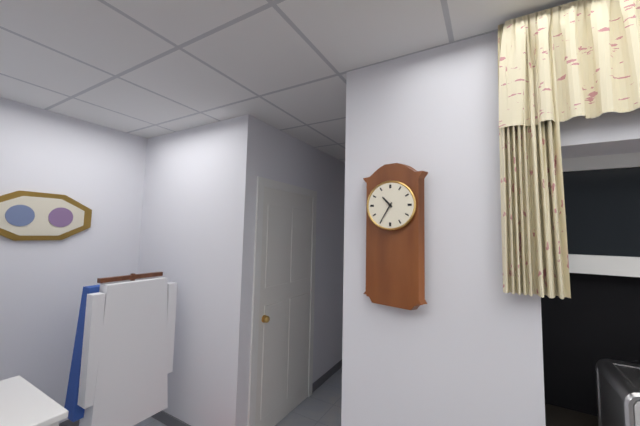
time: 10:35
